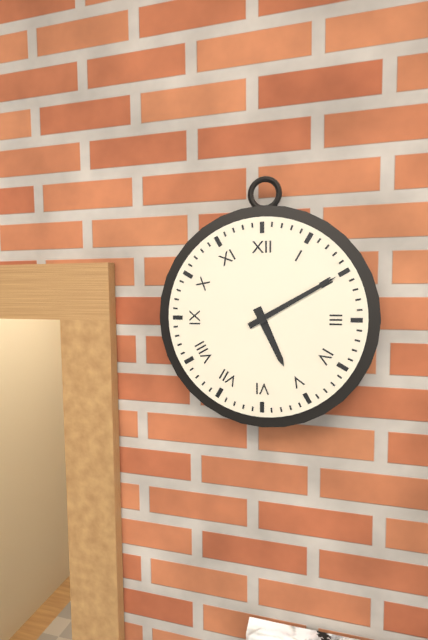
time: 5:10
